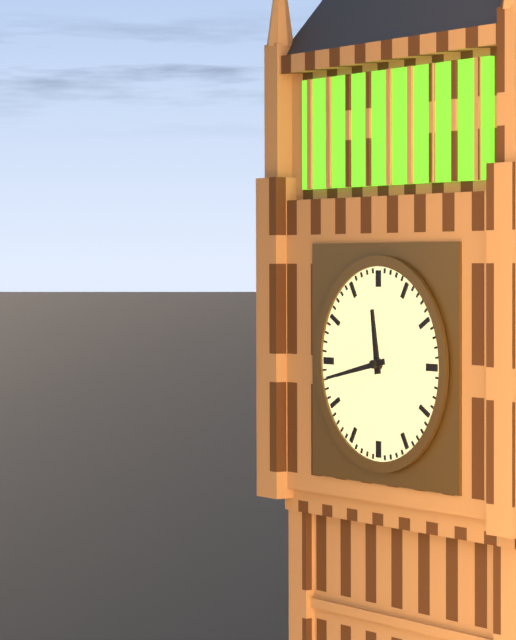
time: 11:43
